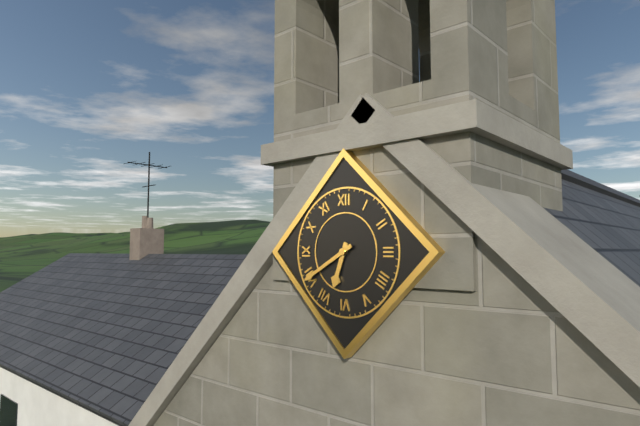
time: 6:40
